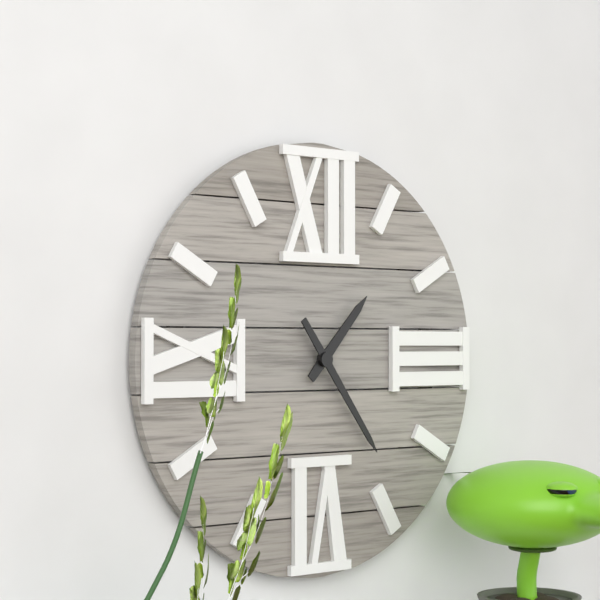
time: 1:24
